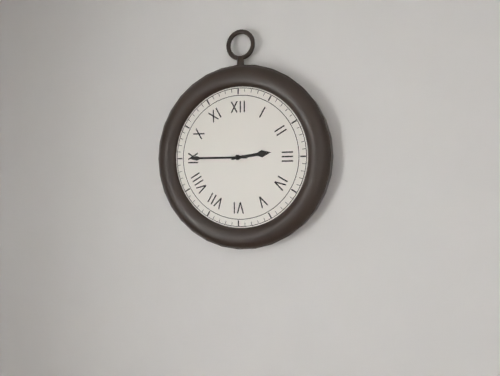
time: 2:45
